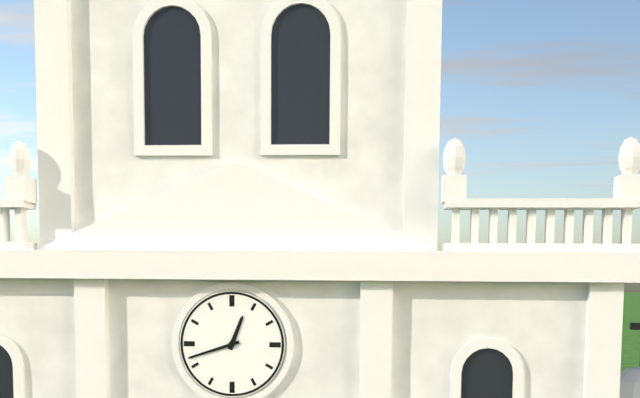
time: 12:42
